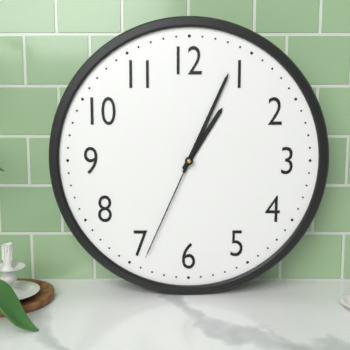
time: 1:04:34
